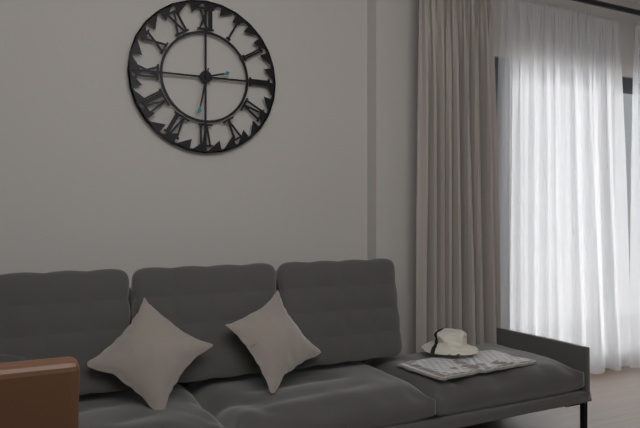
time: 2:32
